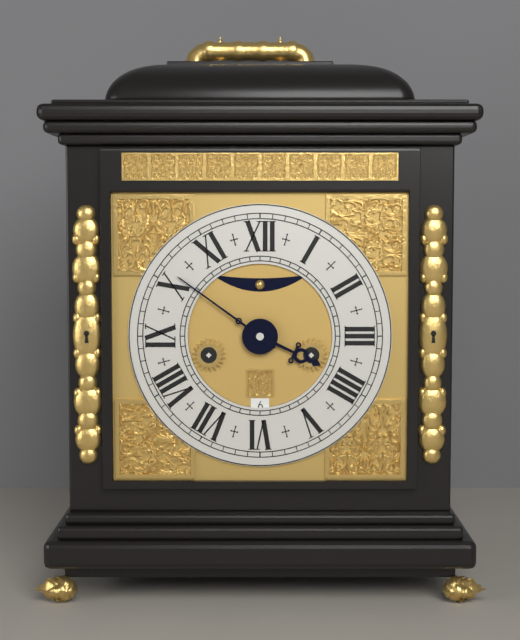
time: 3:51
